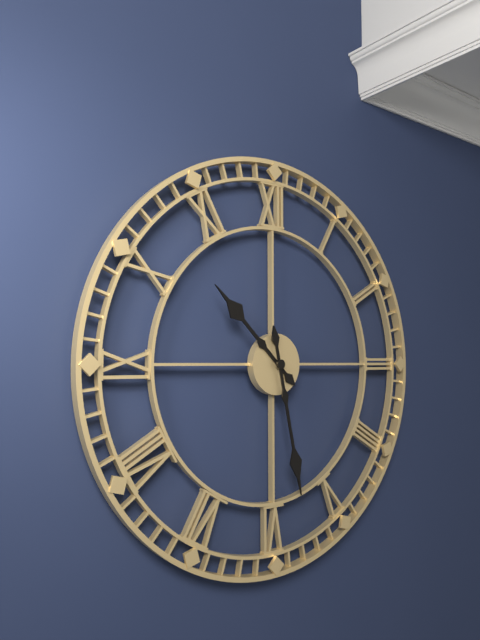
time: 10:28
